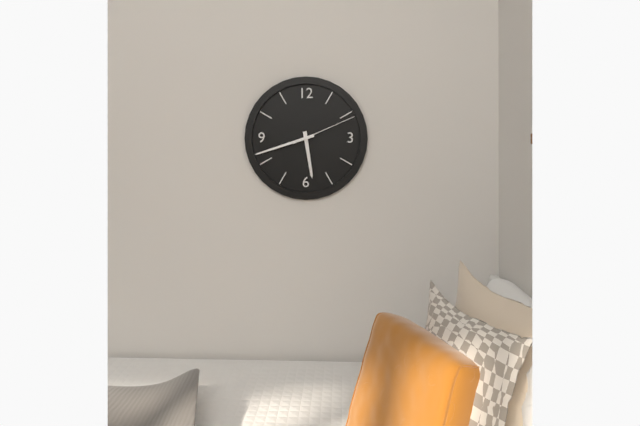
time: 5:42:11
